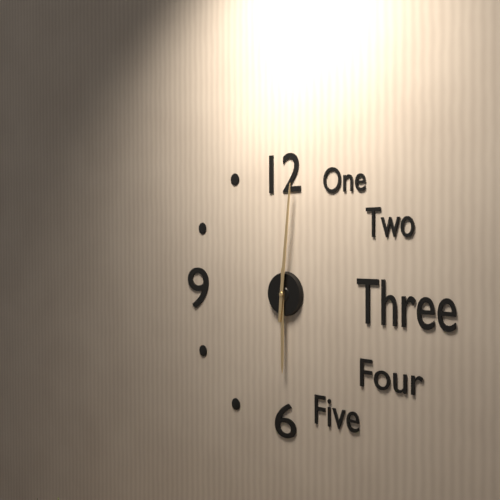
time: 6:01
